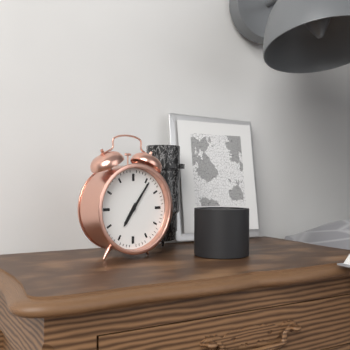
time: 7:06
